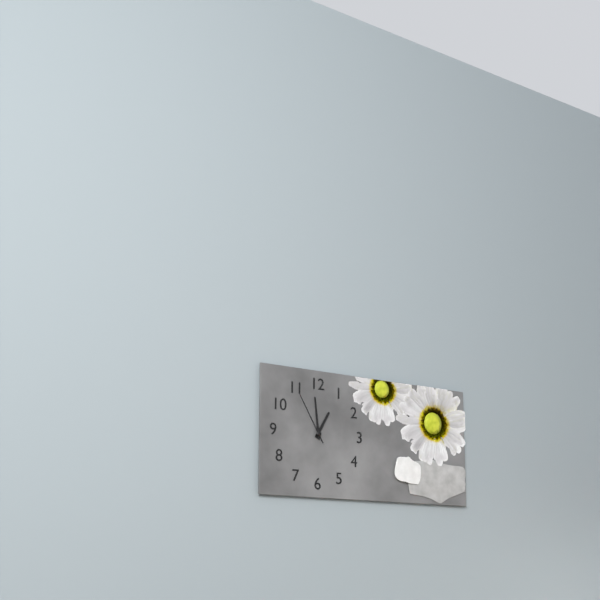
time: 12:59:55
